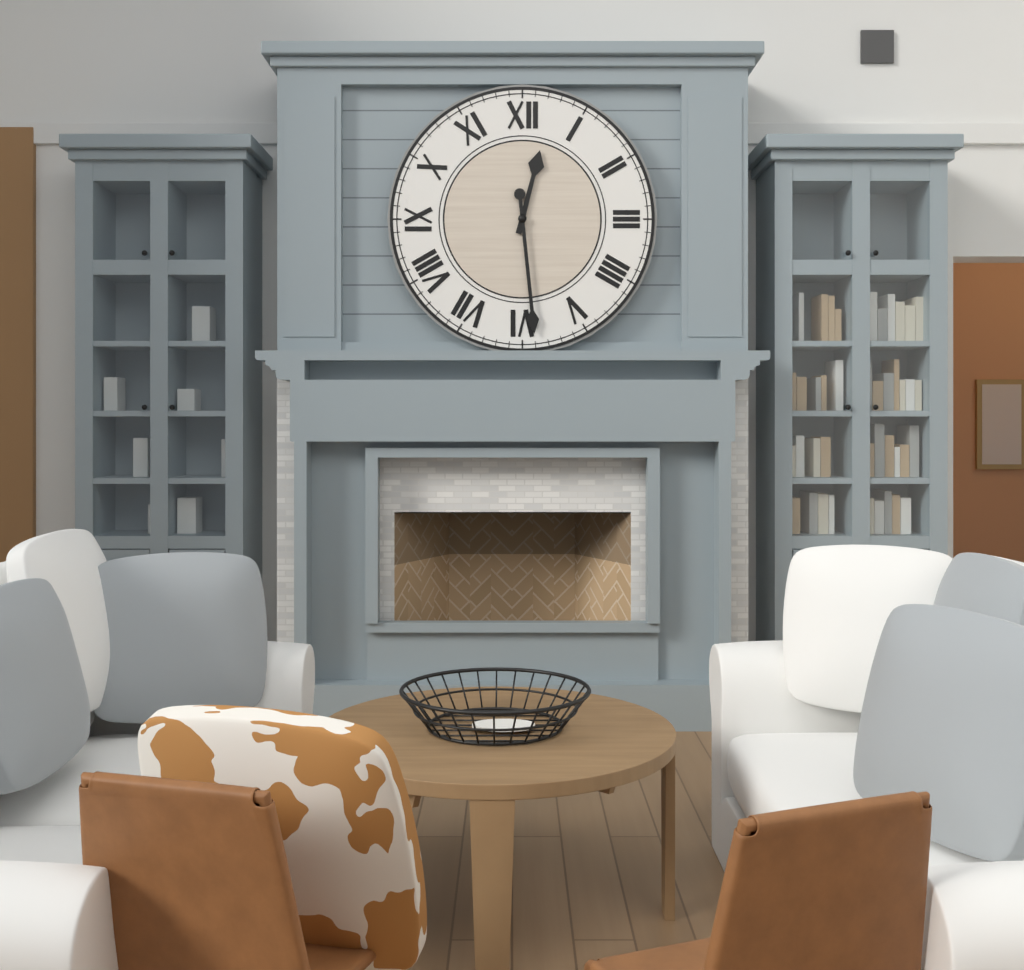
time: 12:29
